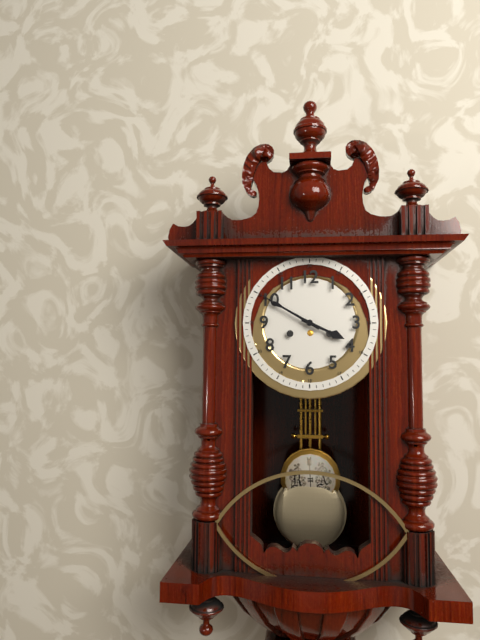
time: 3:50
